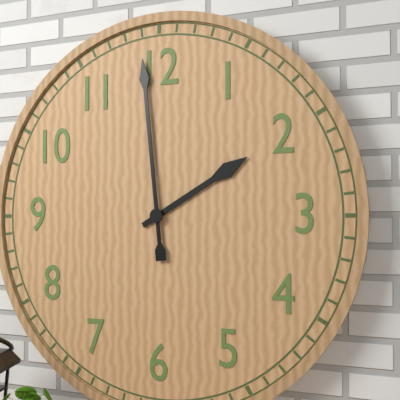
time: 1:59
